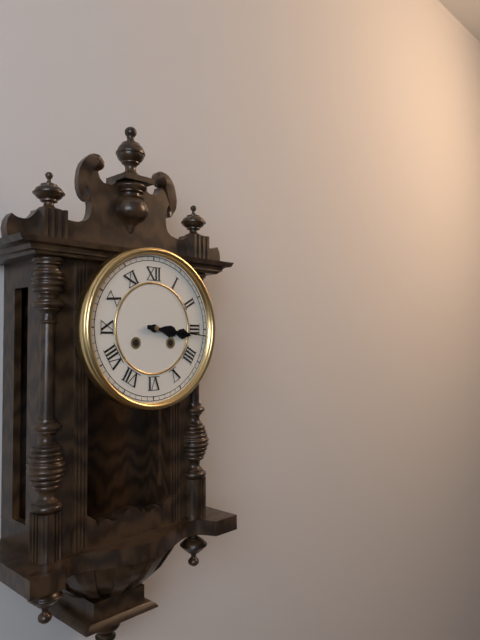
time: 3:16
